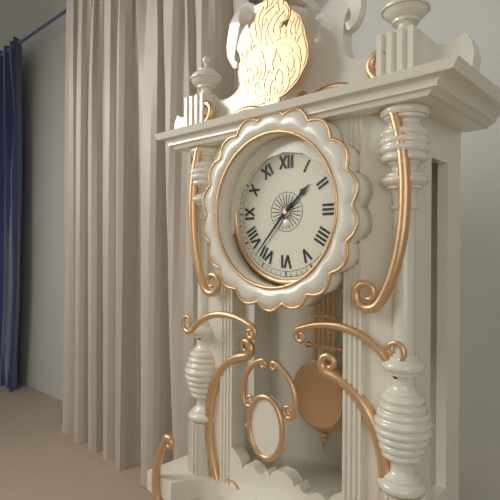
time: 1:37
